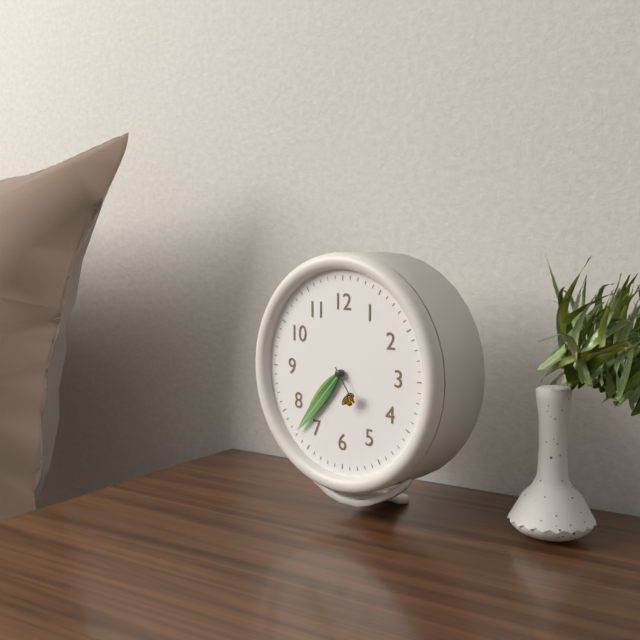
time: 7:37
